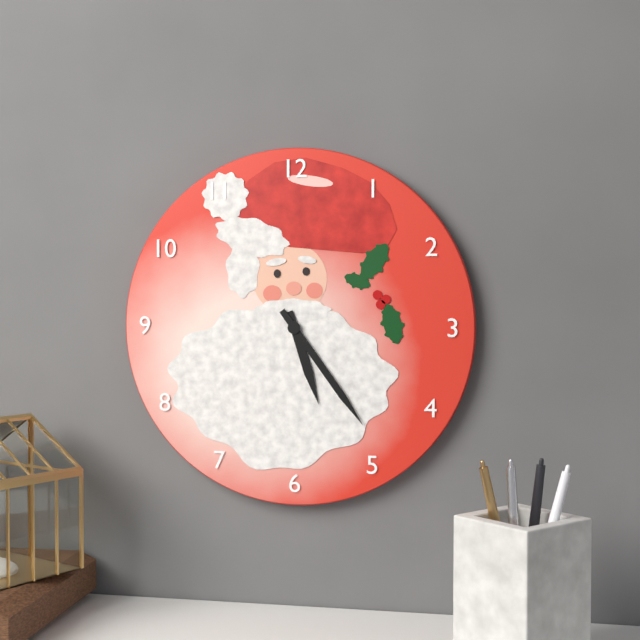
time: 5:24
